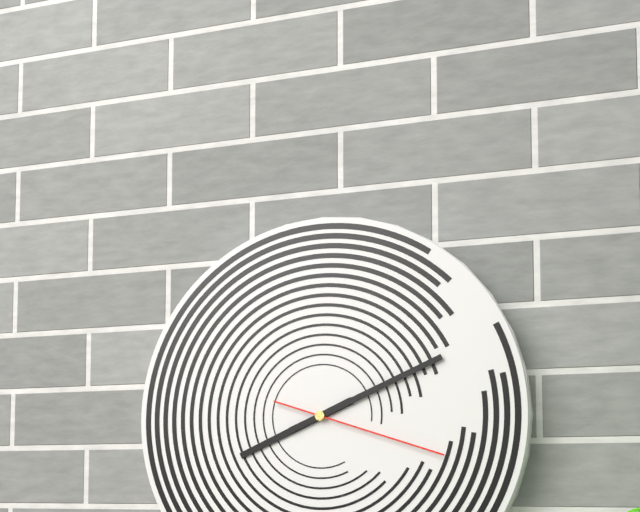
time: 8:11:18
